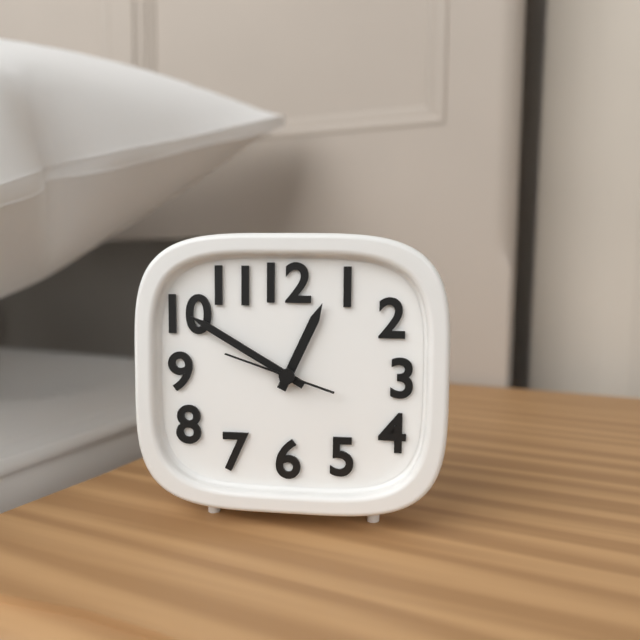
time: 12:50:48
